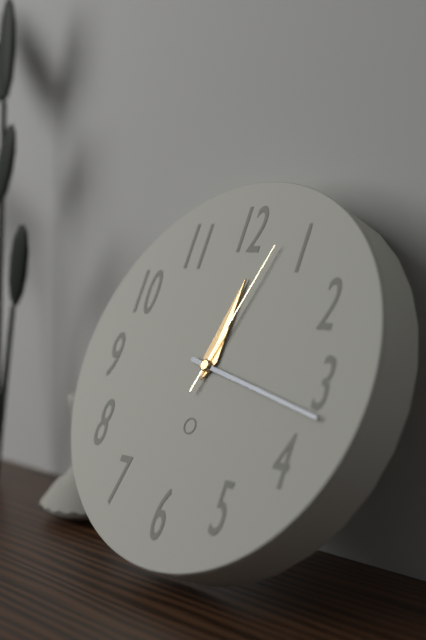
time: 12:17:03
